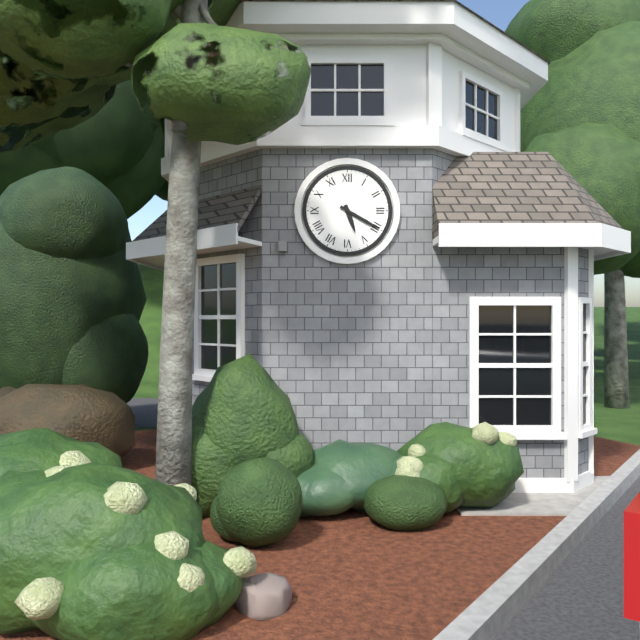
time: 5:20
